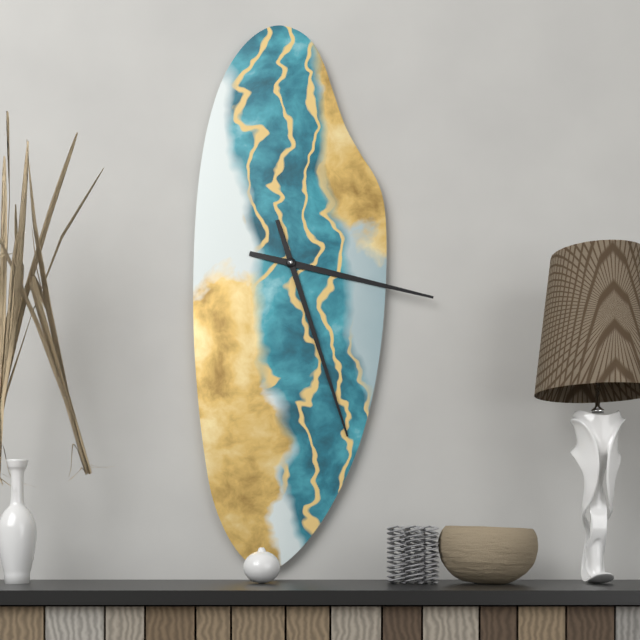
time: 3:27
